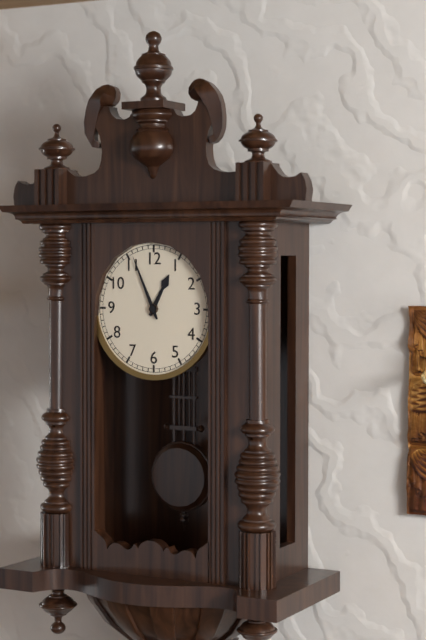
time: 12:56
